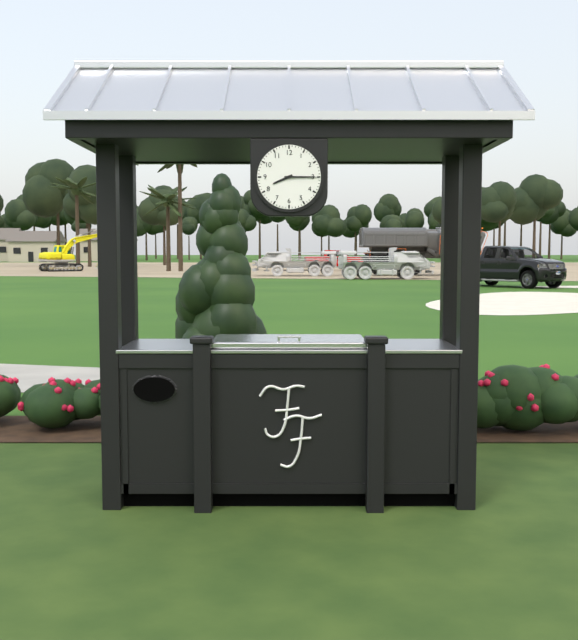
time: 8:15
